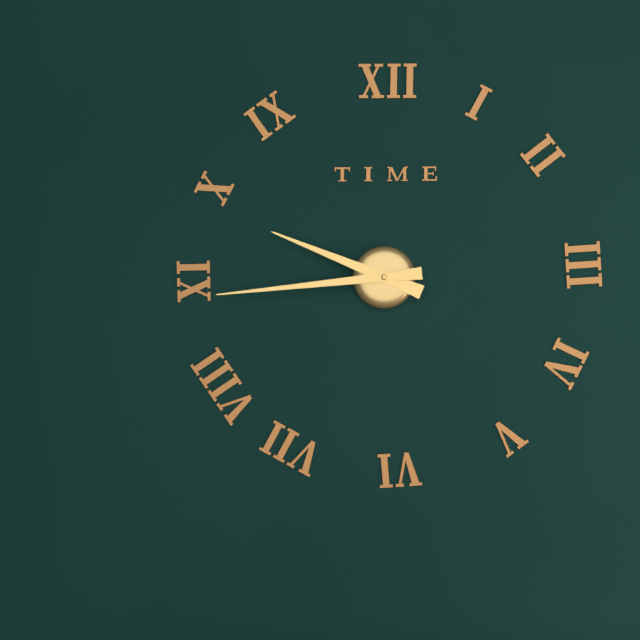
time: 9:44
